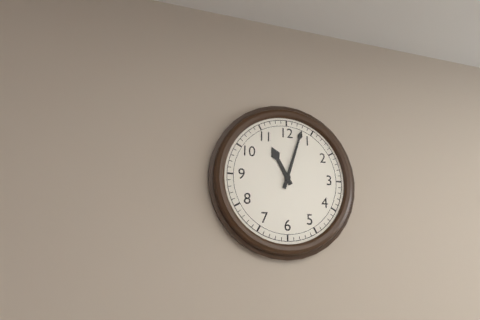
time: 11:03
